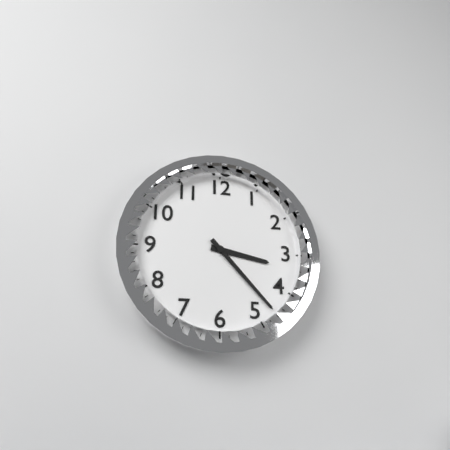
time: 3:23
